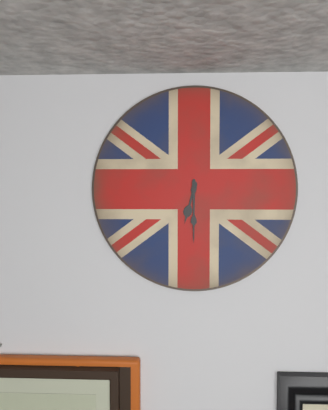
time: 6:30
